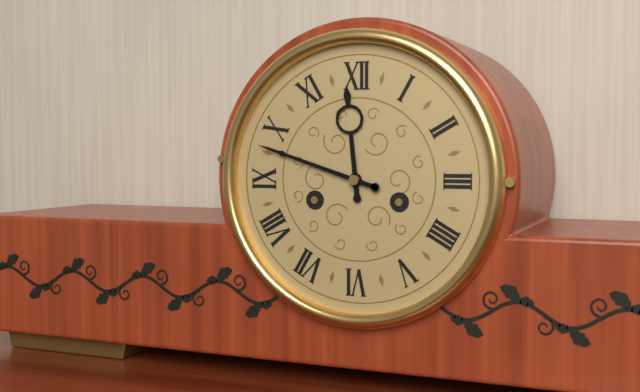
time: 11:48
